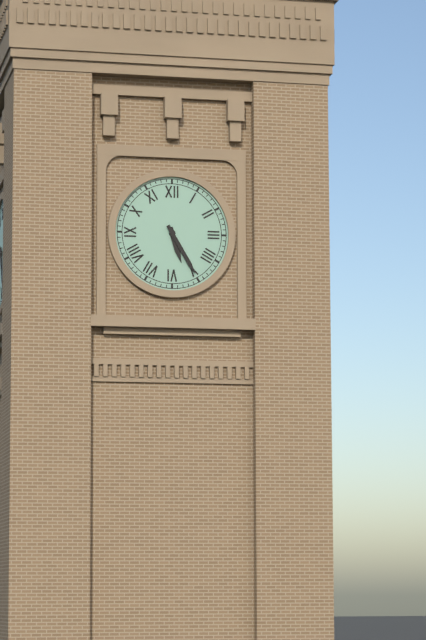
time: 5:25
